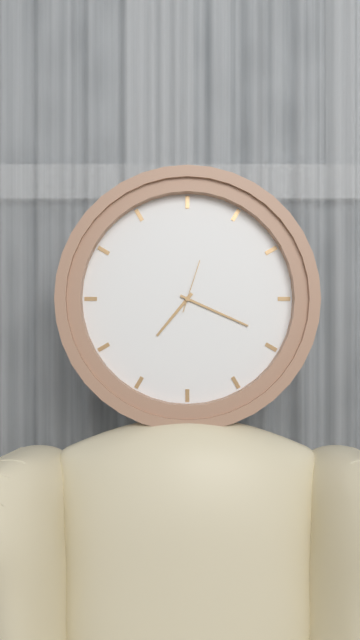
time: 7:19:03
